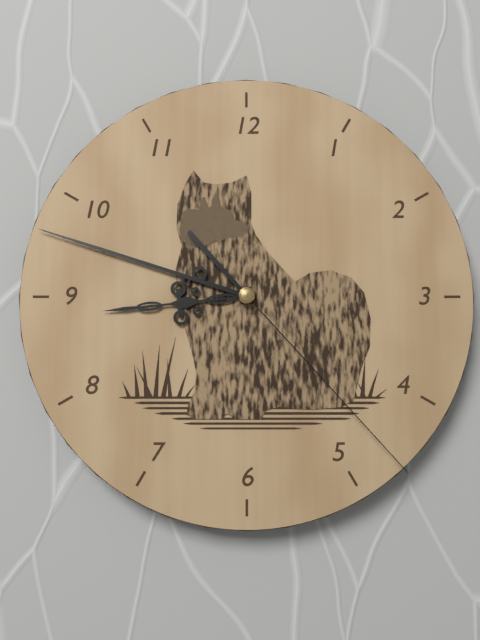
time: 8:48:23
